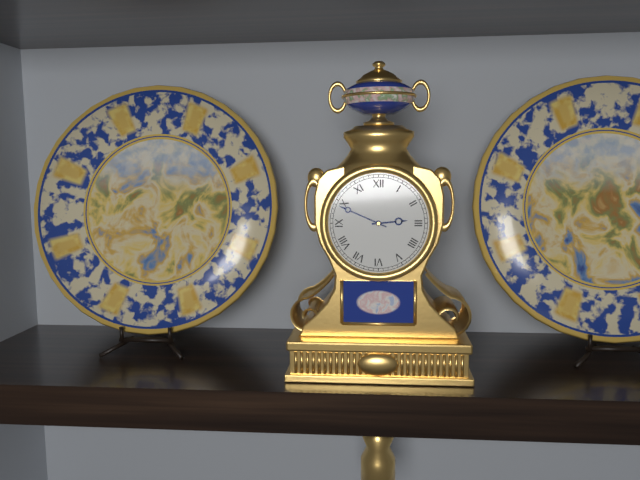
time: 2:49
